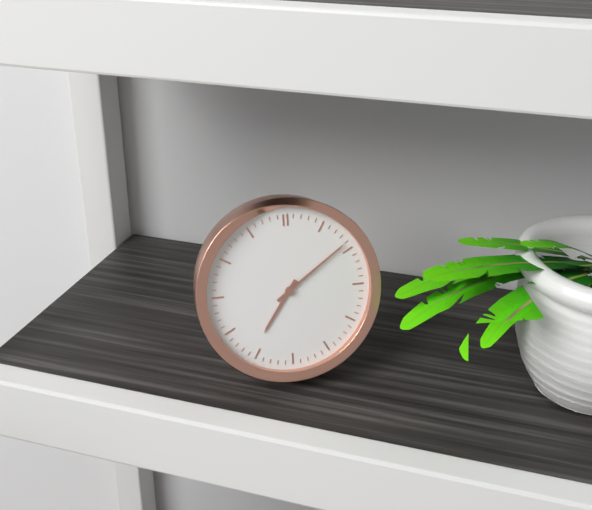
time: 7:09
